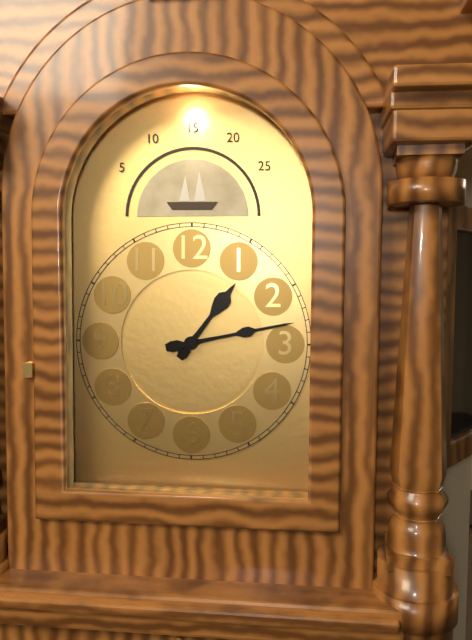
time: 1:13
